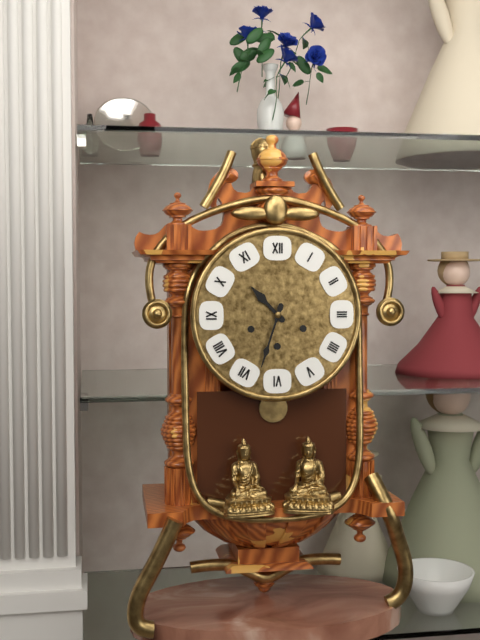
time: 10:33
